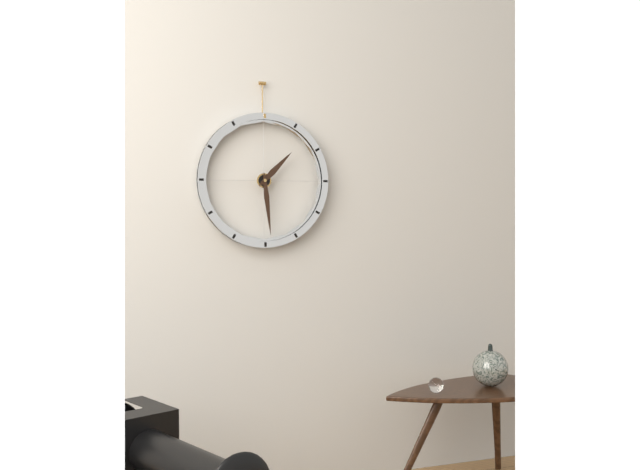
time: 1:29
